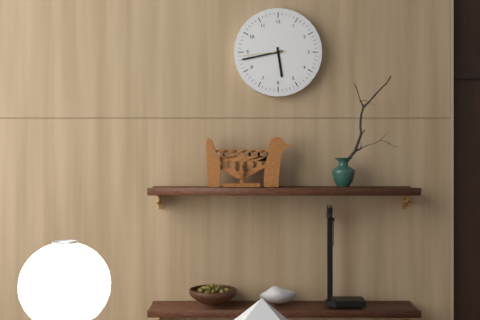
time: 5:43
